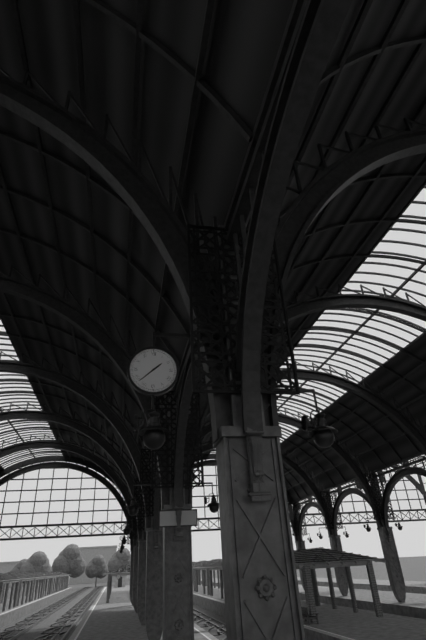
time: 1:38
